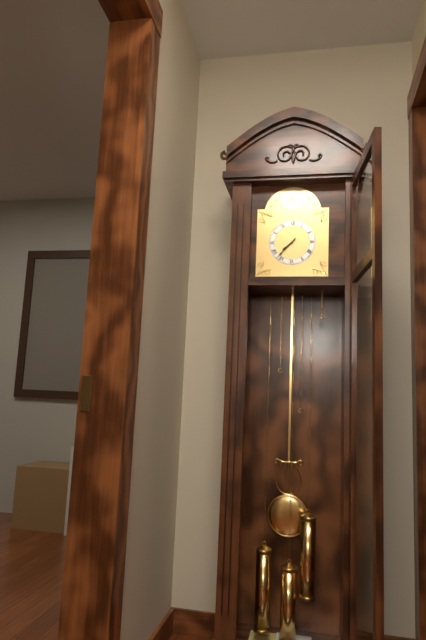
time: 7:37
